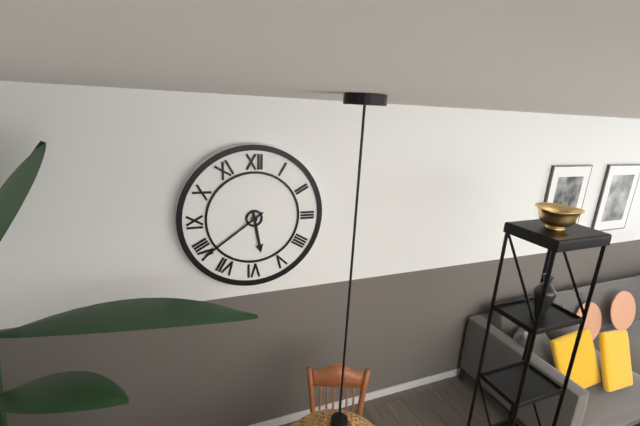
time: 5:39
